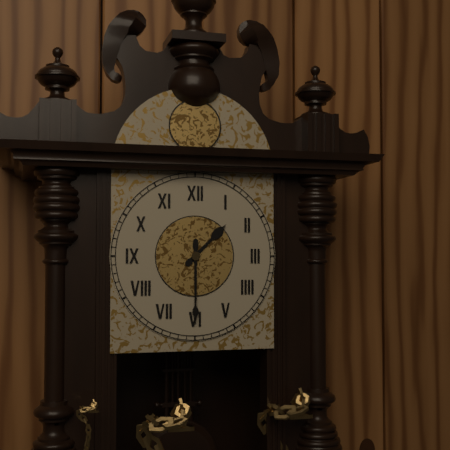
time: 1:30
